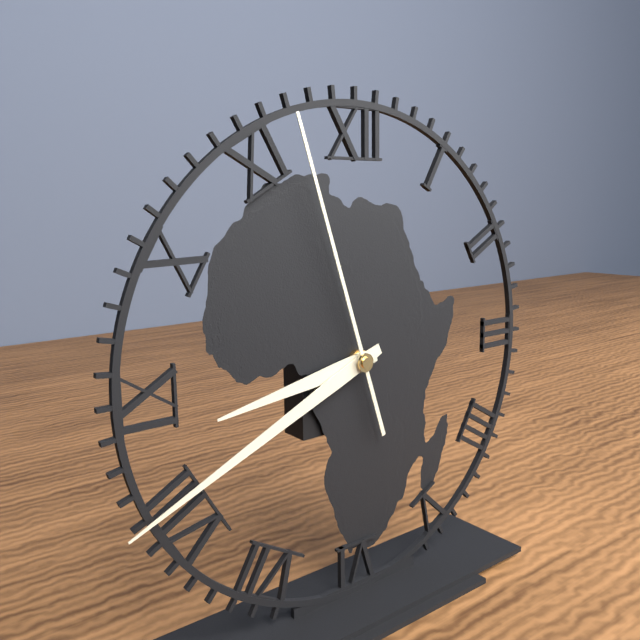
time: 8:41:57
